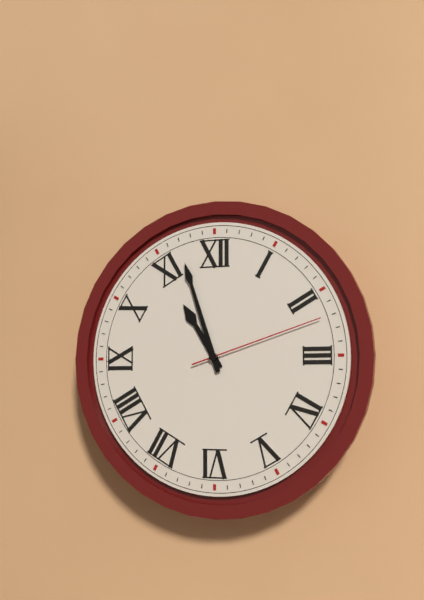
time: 10:57:12
